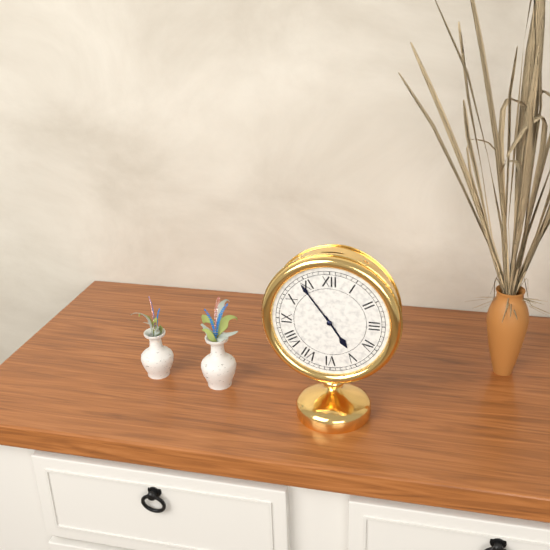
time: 4:54
